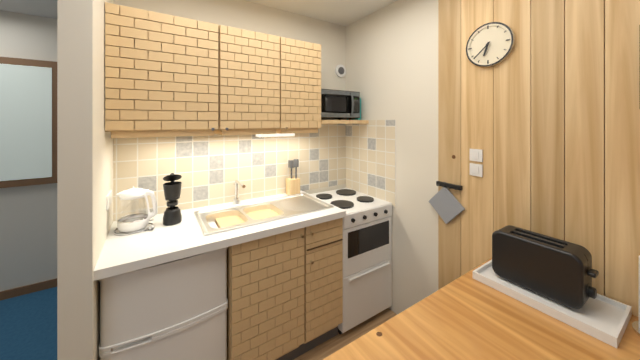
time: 6:38
